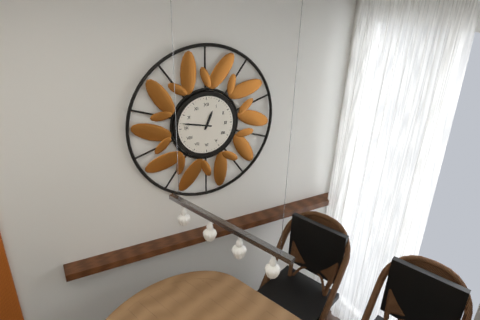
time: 12:47
